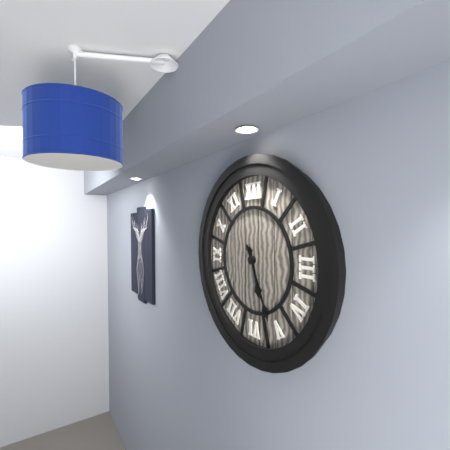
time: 5:26
